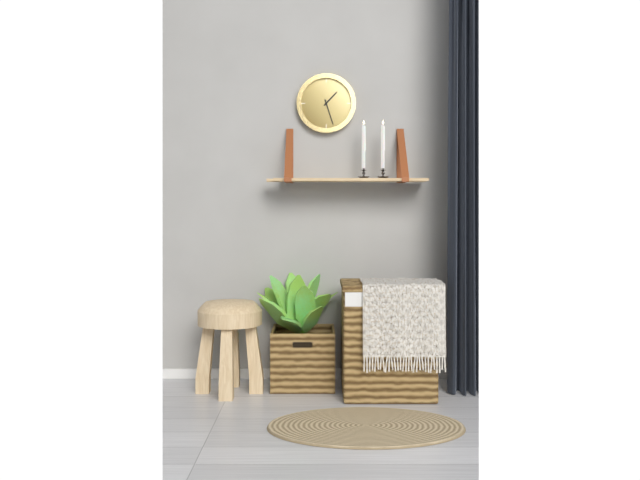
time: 1:27
